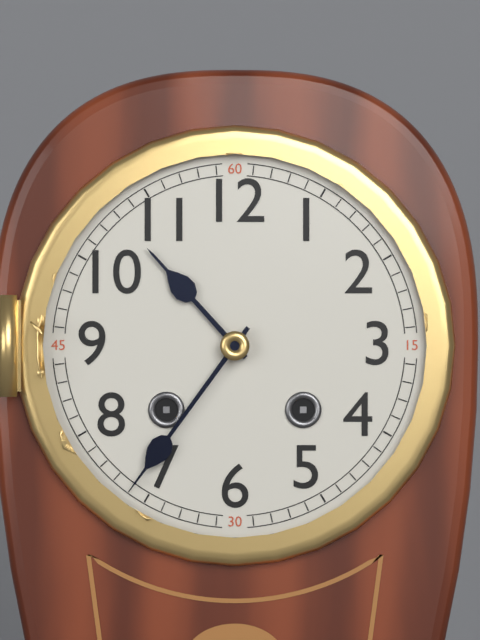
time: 10:36
